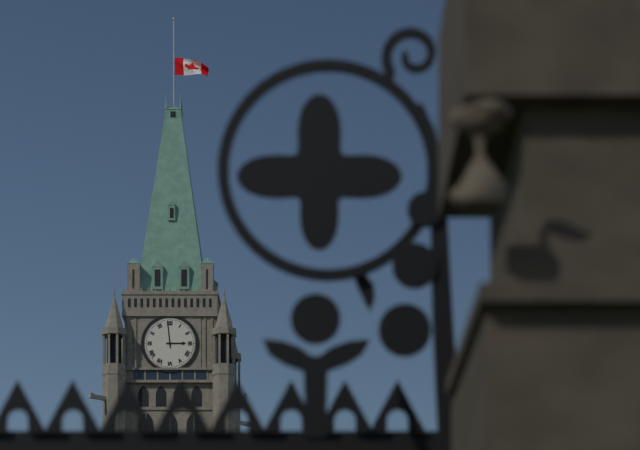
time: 2:59
